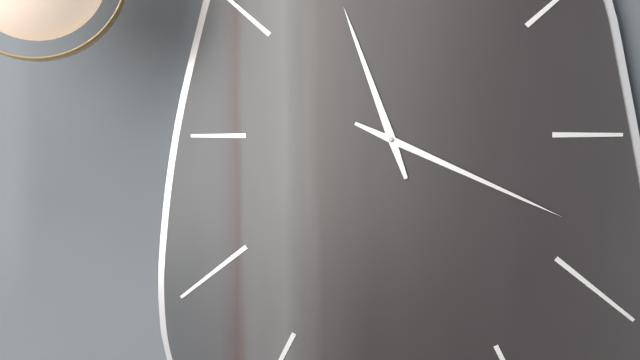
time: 11:19
